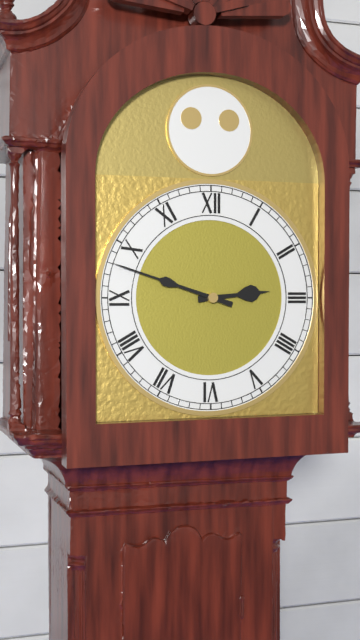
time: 2:48
